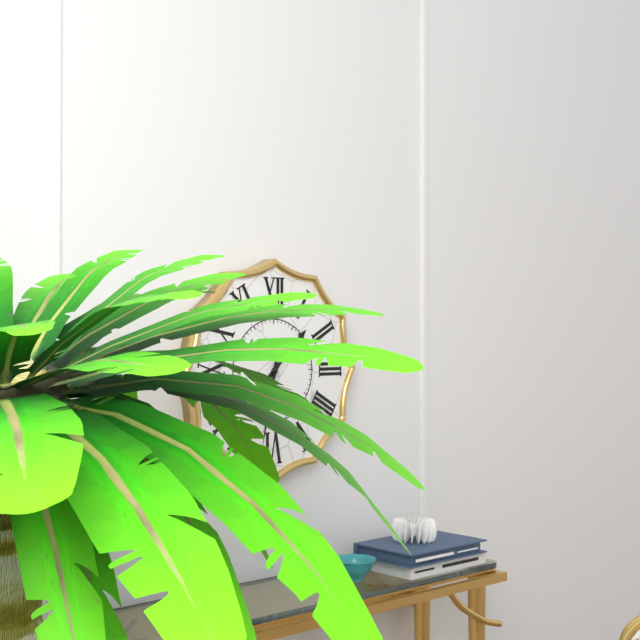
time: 1:32
